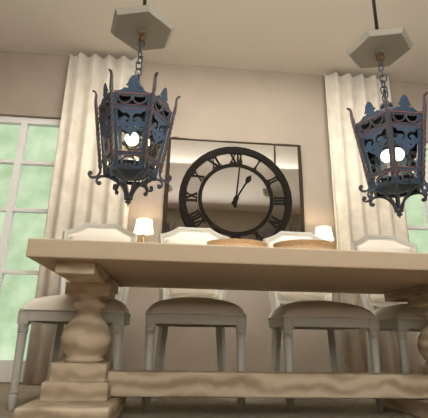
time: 1:01
